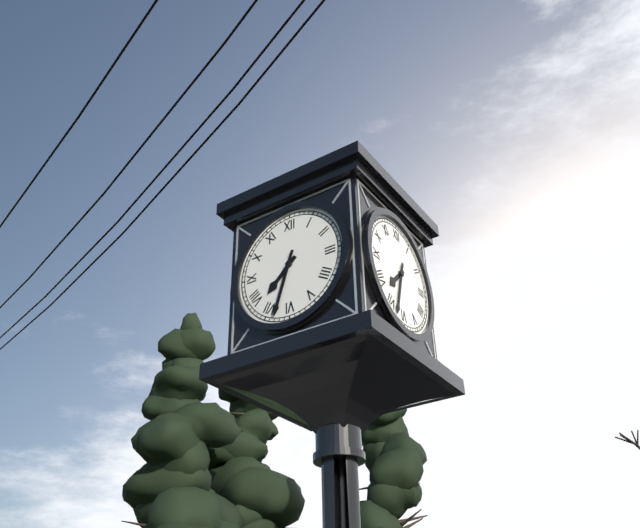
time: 7:33
